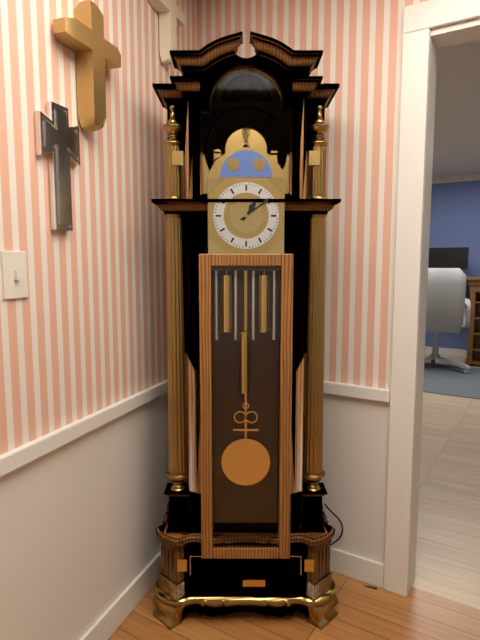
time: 1:09
